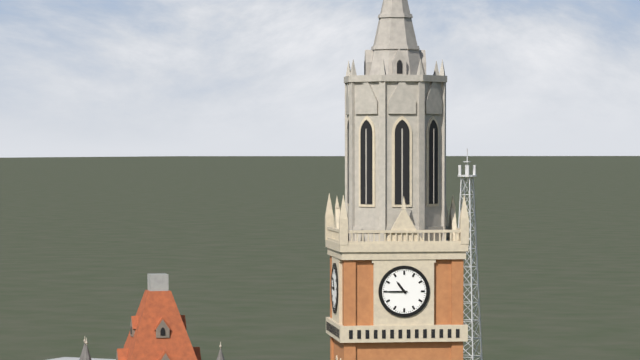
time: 10:45
